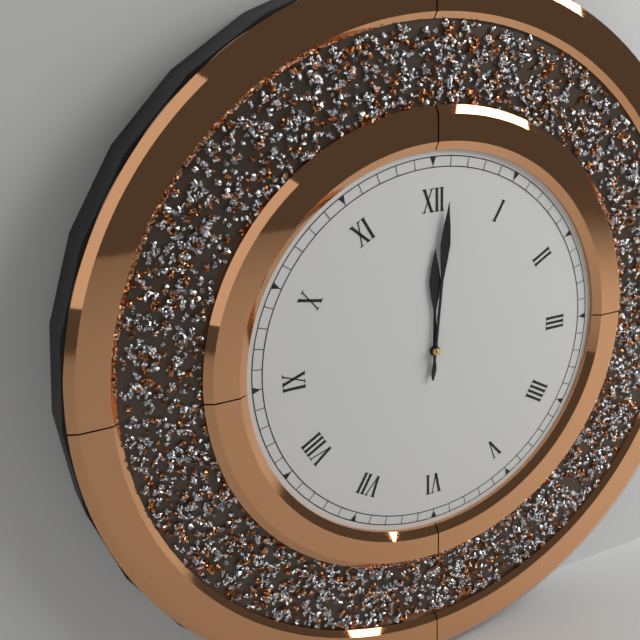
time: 12:01
